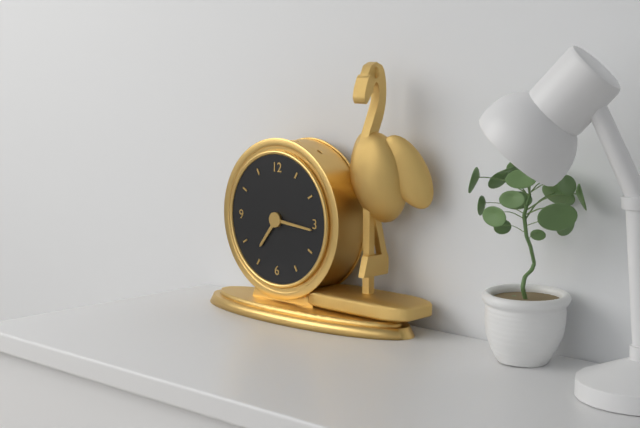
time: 7:16
